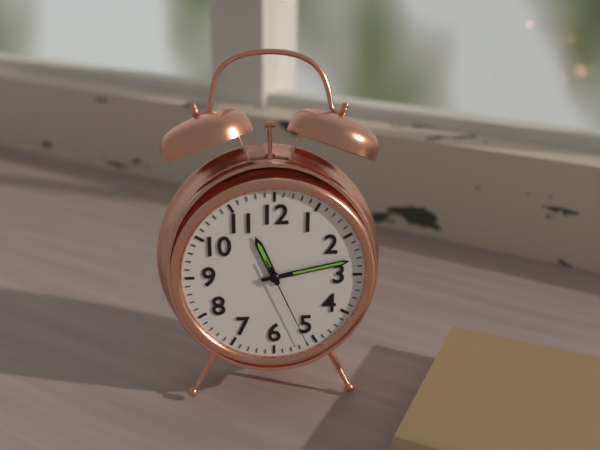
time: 11:13:26
